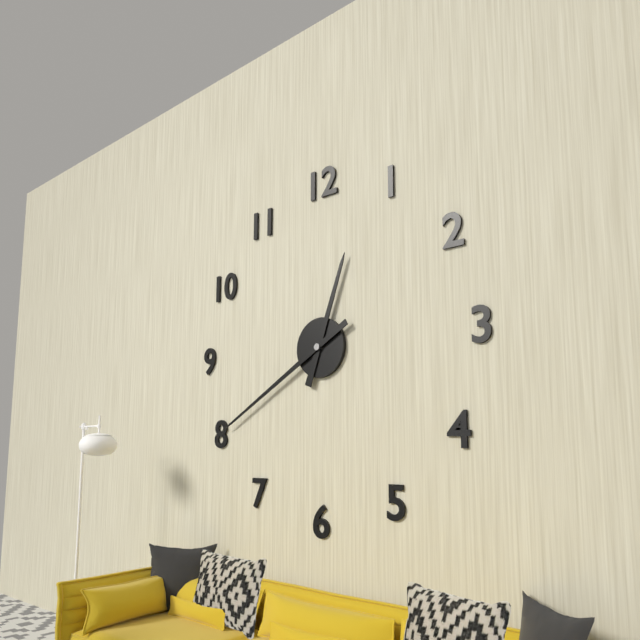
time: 12:40
